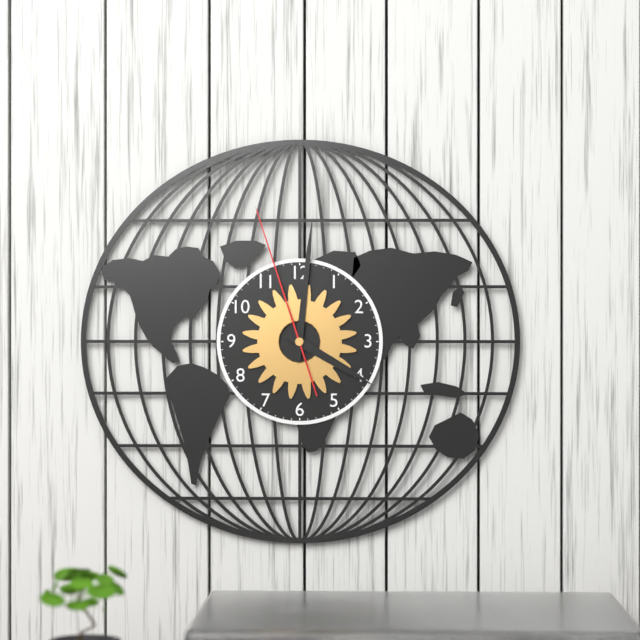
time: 4:01:57
